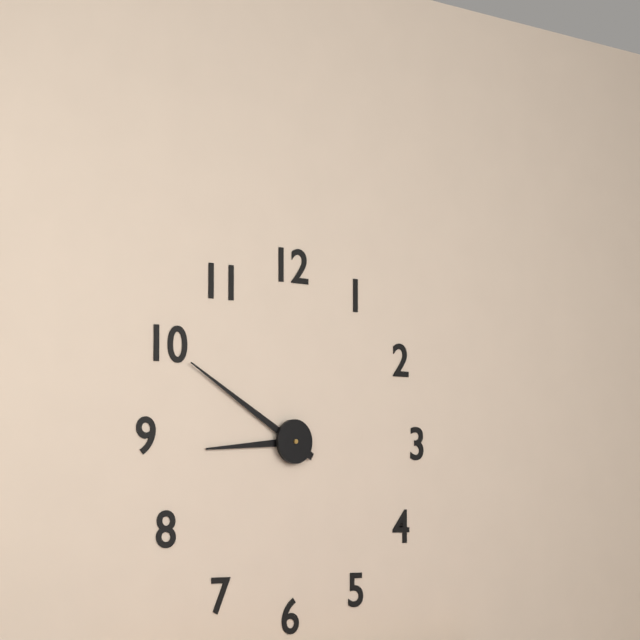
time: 8:50
